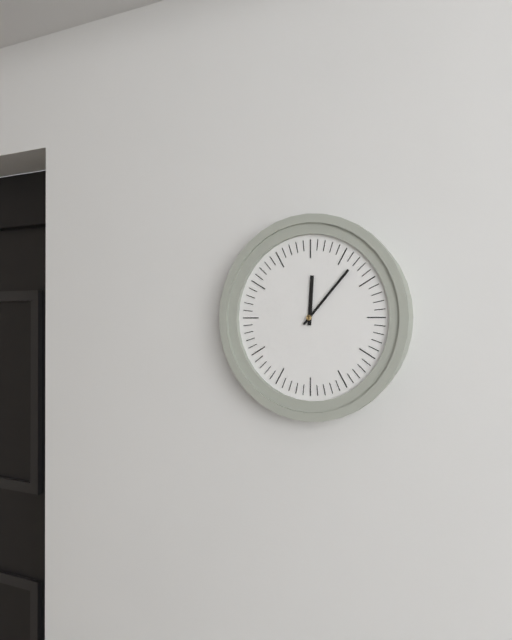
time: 12:07
